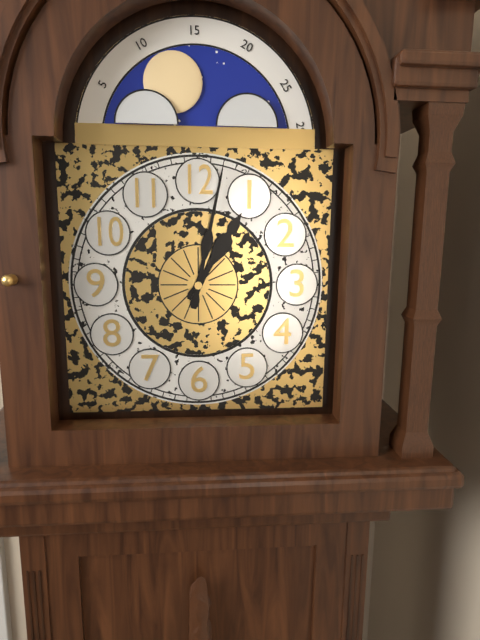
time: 1:02
